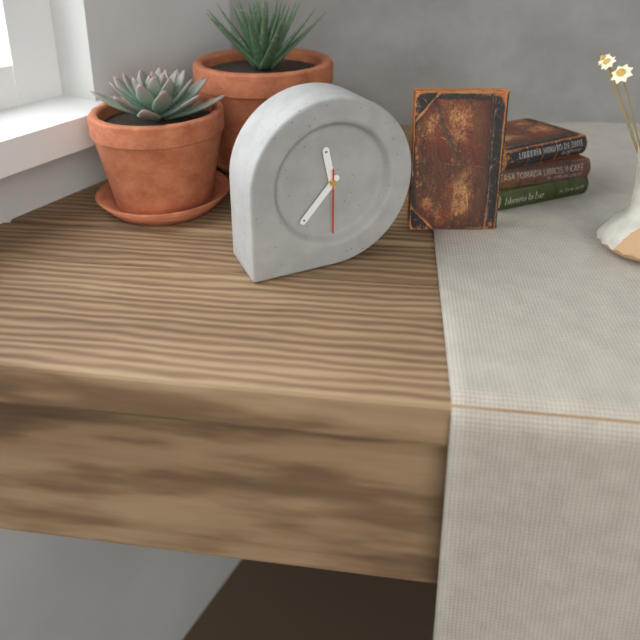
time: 11:37:30
